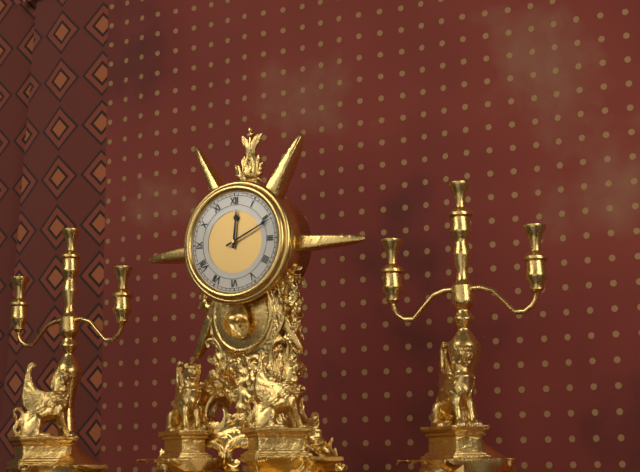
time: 12:11
